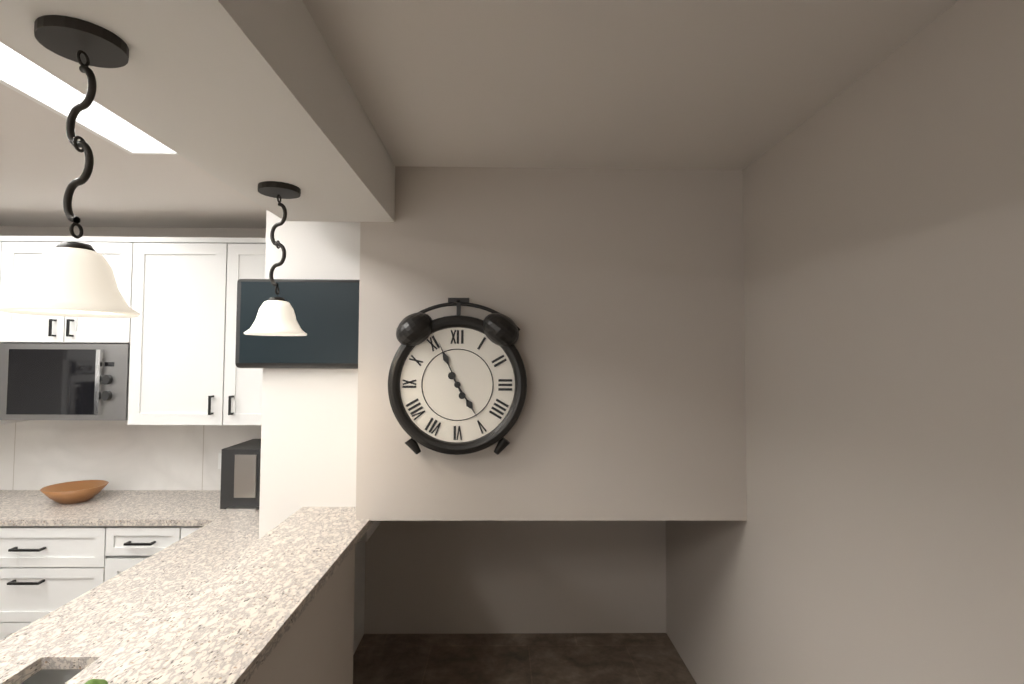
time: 4:56
